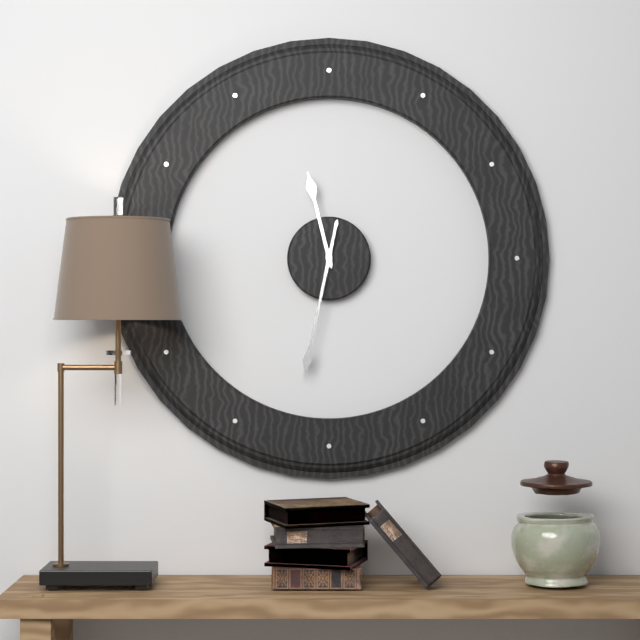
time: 11:32
